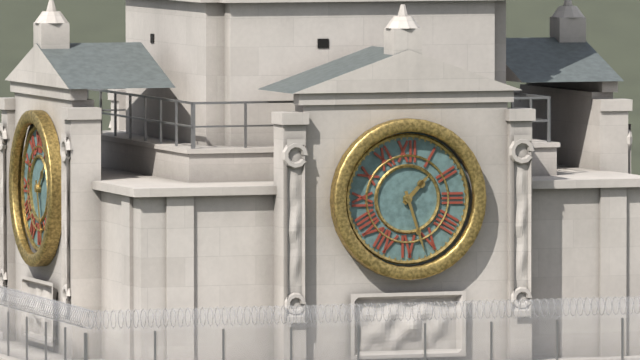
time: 1:27
